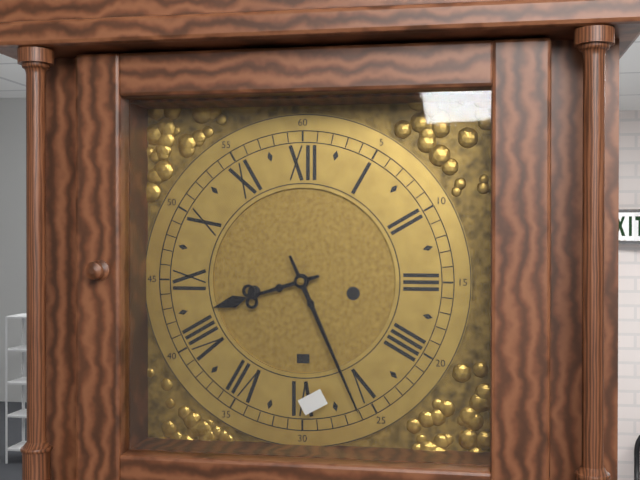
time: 8:26
